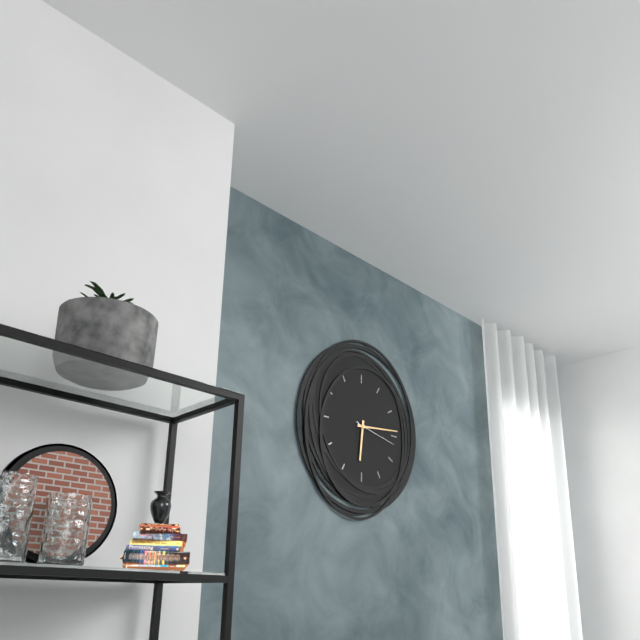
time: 6:14
